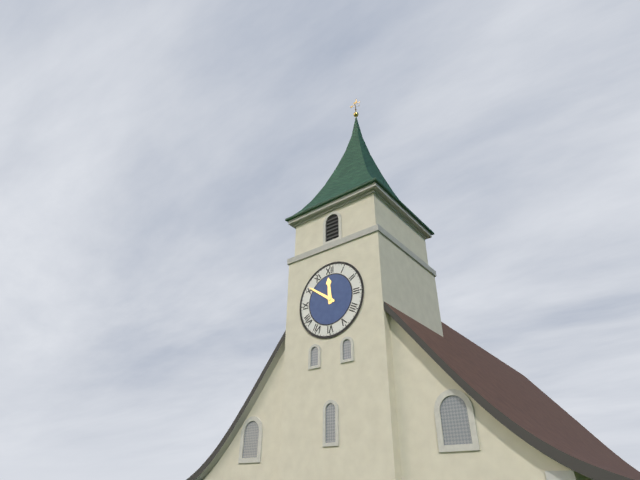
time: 11:51
